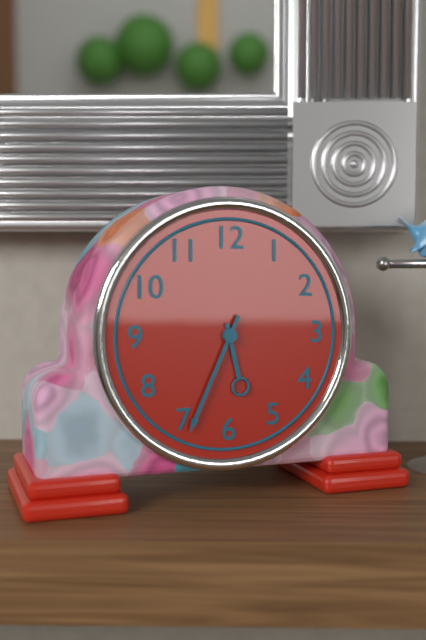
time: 5:34
